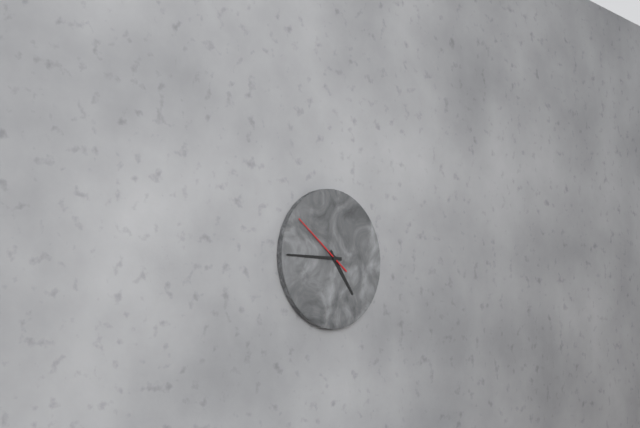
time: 4:45:51
